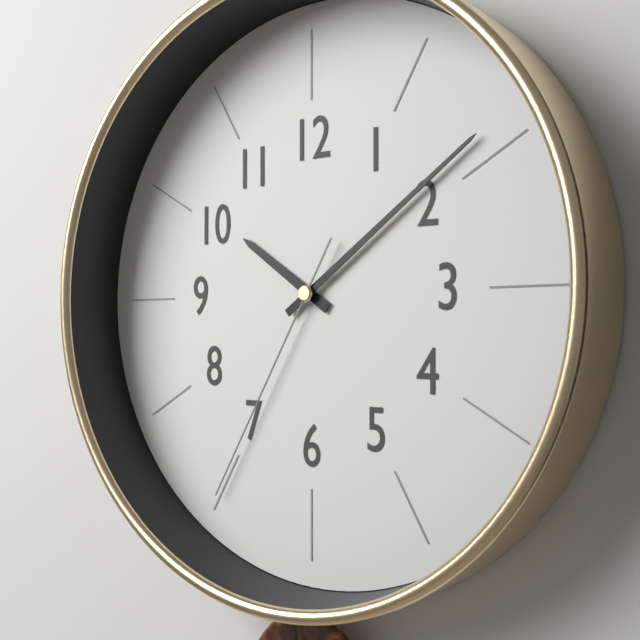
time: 10:09:35
